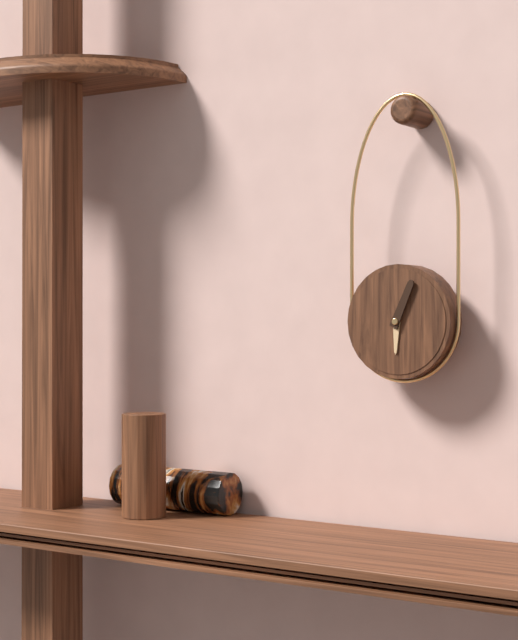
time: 6:04
